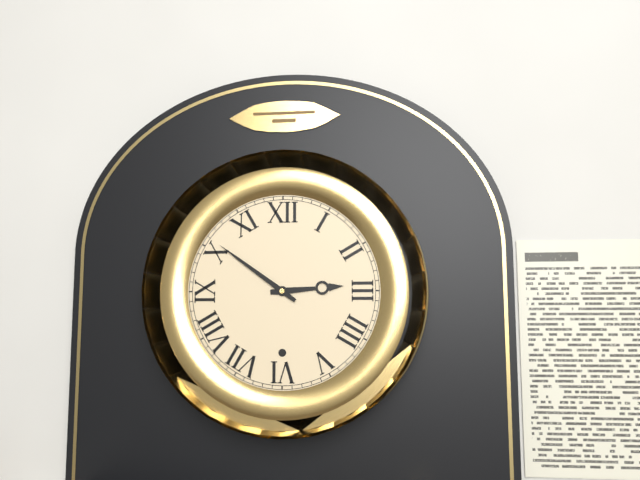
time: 2:51
